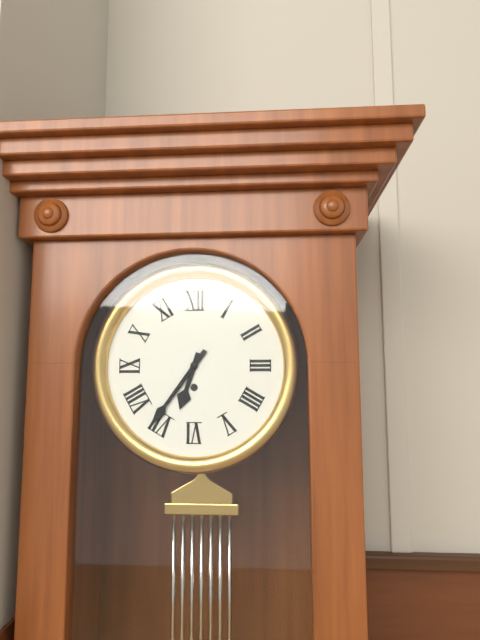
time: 6:36
